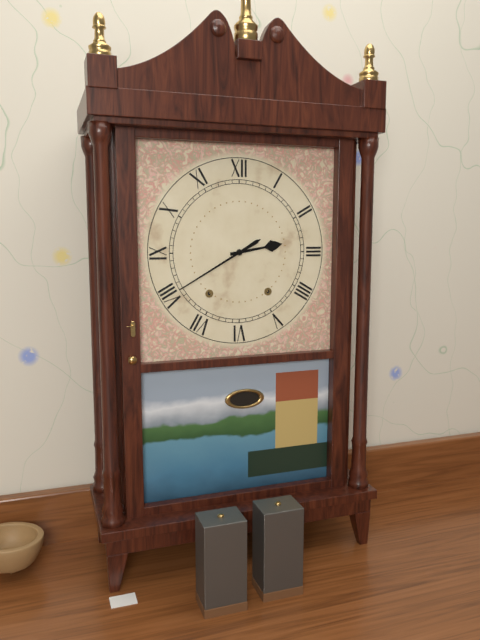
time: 2:40
